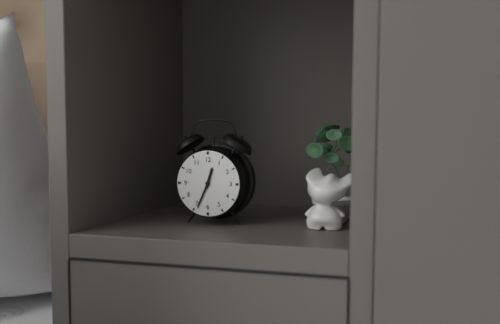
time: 12:34
